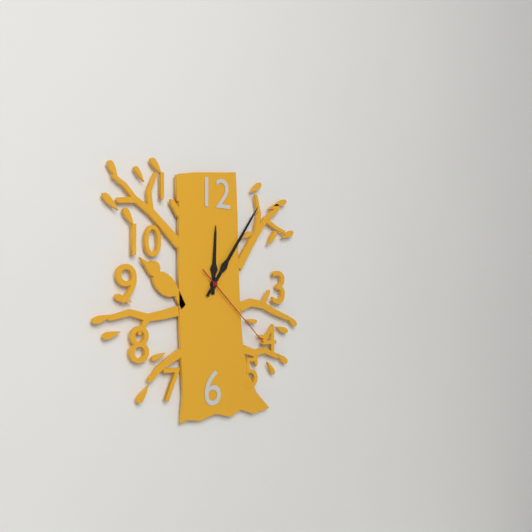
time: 12:06:22
